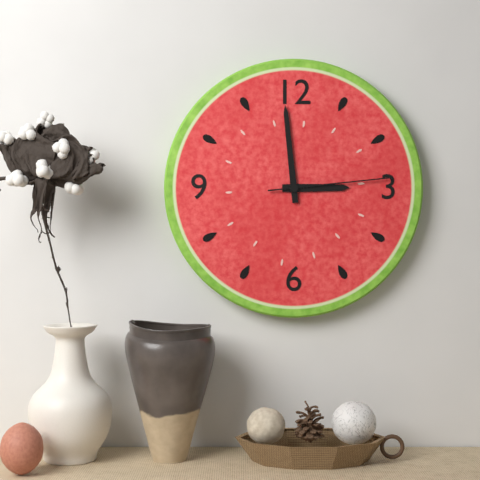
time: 2:59:14
